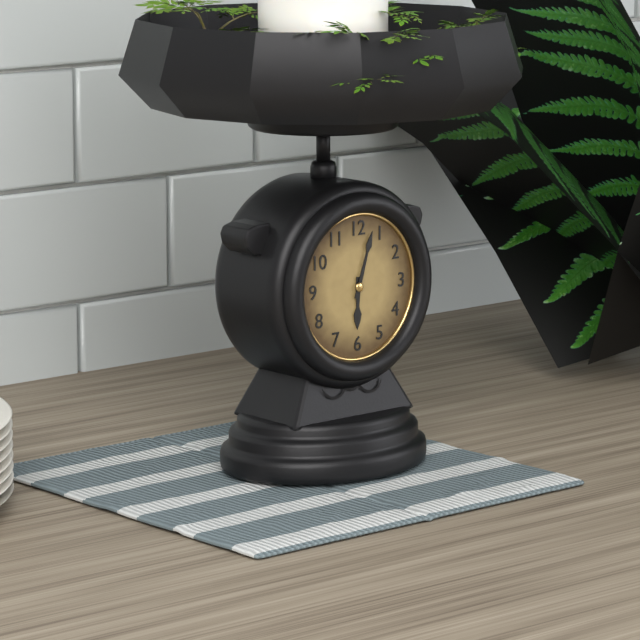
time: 6:03
